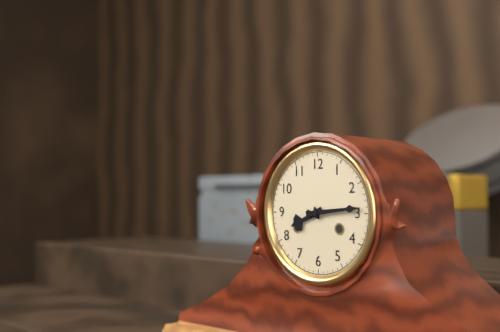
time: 8:14
